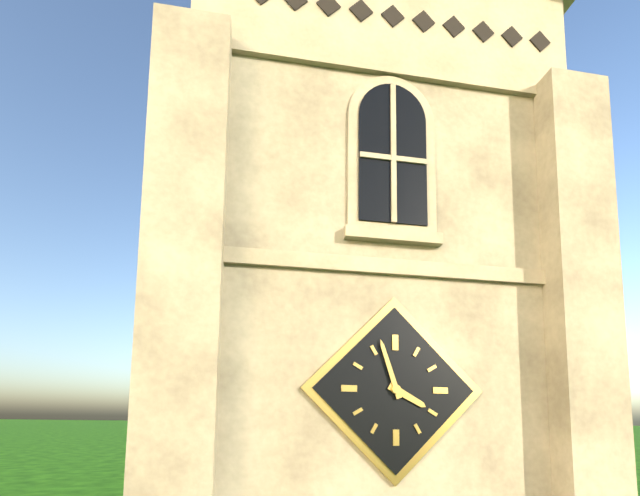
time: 3:57
